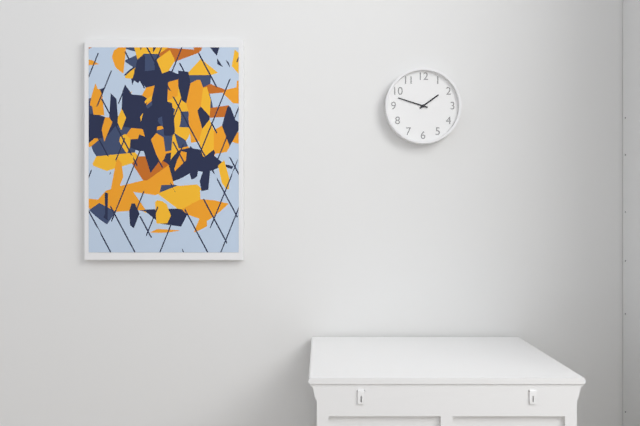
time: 1:48
